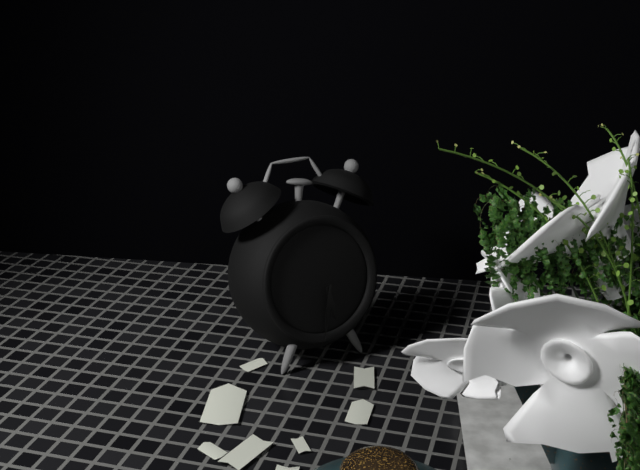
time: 5:31
